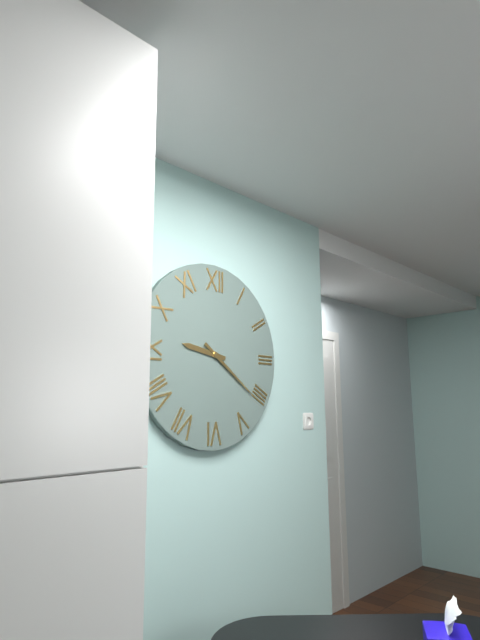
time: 9:21
